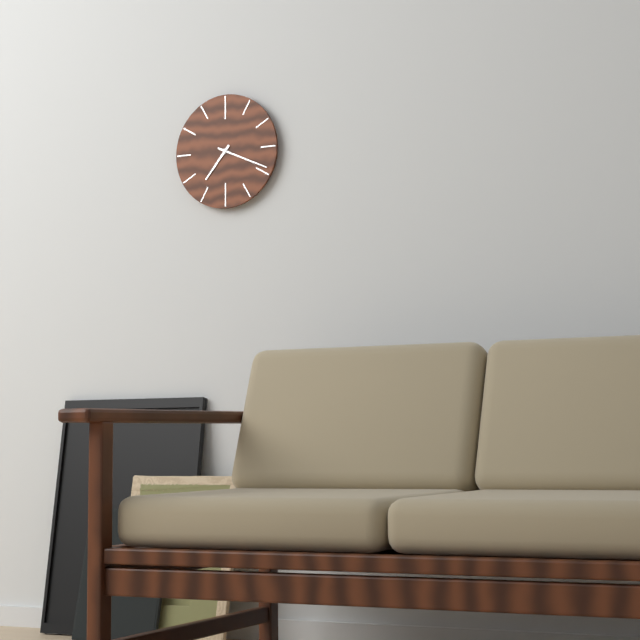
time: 7:19
